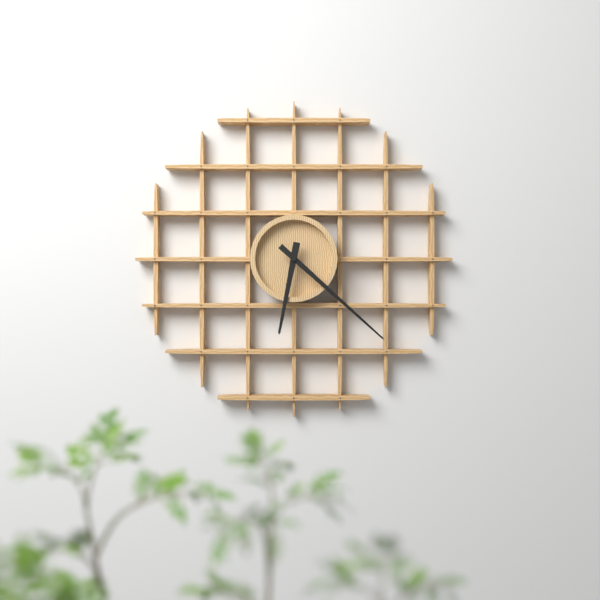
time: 6:22
